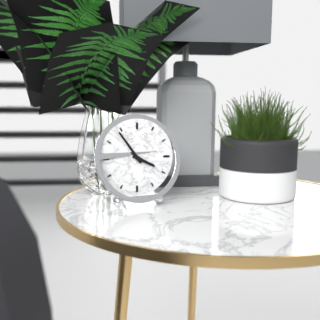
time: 3:54
